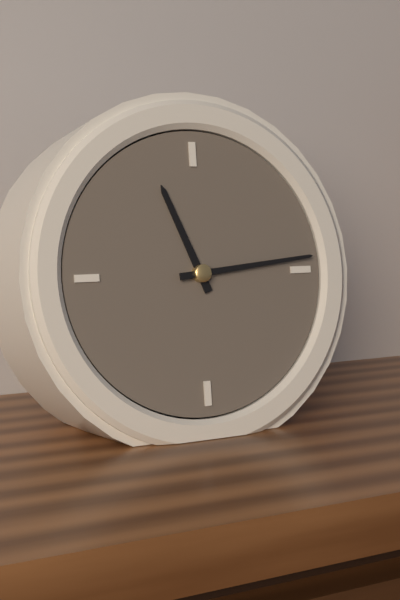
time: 11:14
